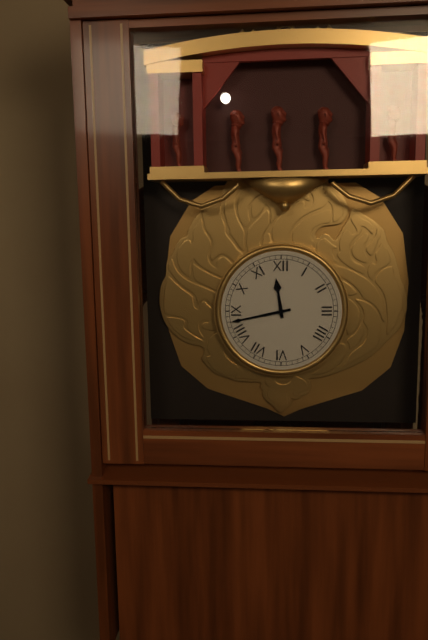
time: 11:43
